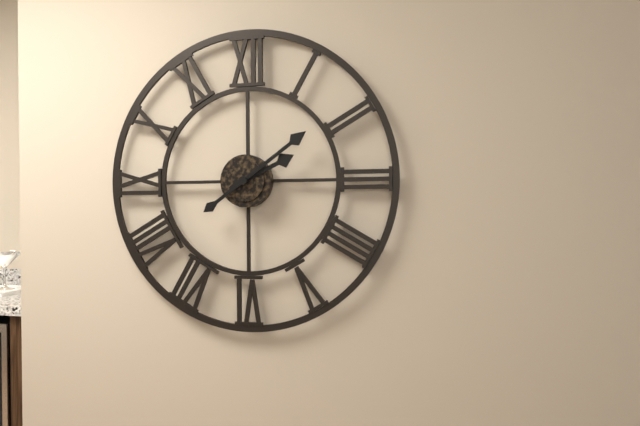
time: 2:09
